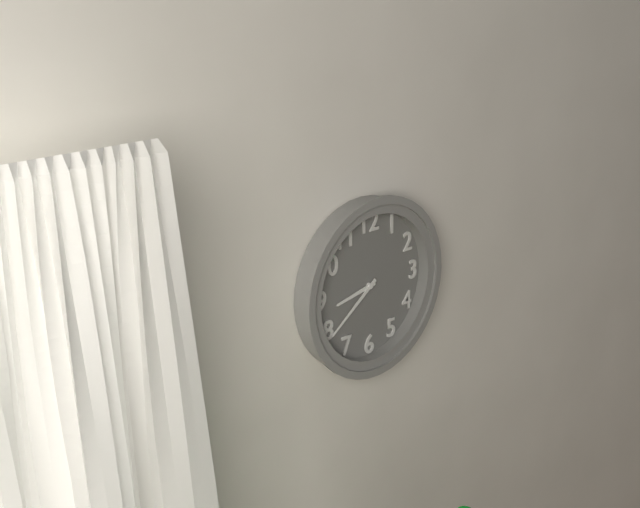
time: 8:39
